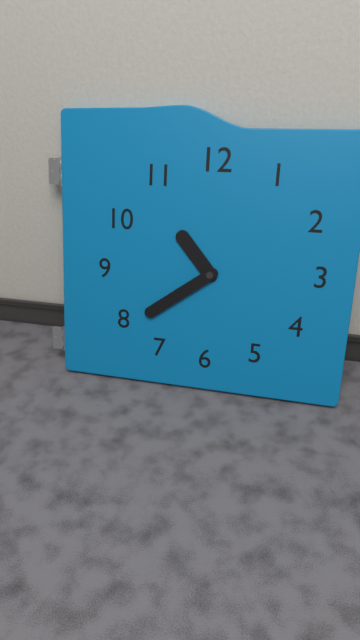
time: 10:39
